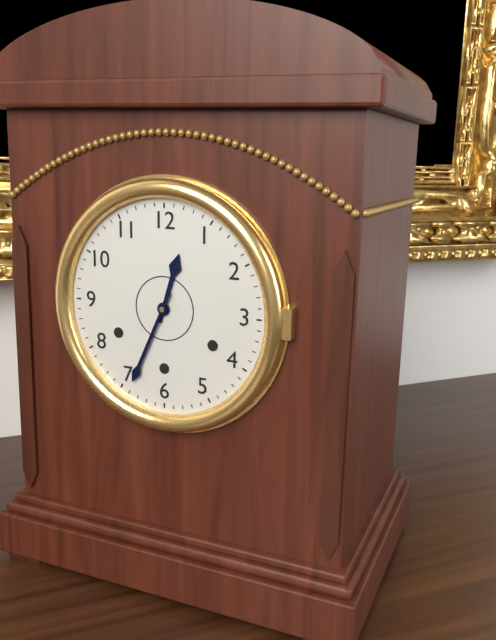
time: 12:34
